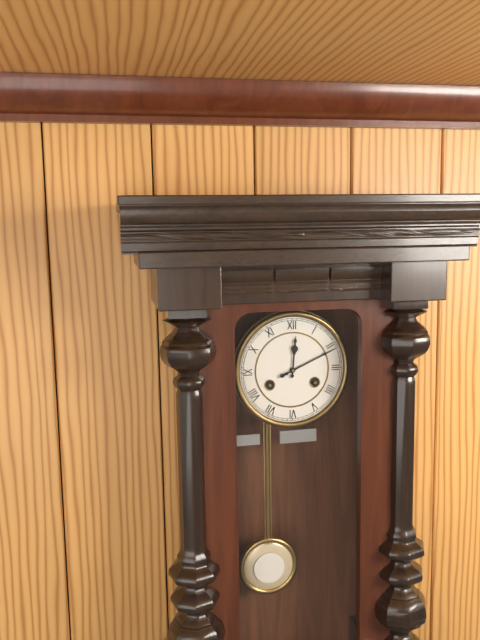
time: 12:11
